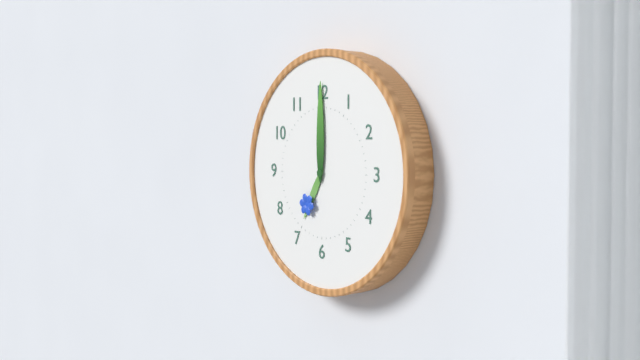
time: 7:00
